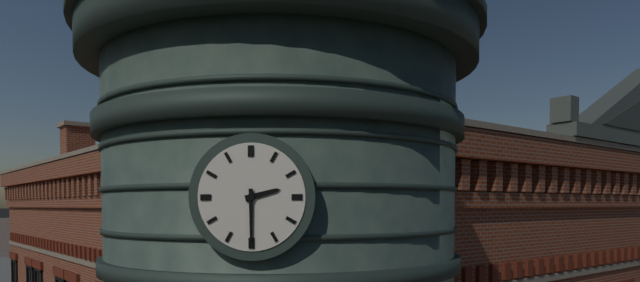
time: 2:30
